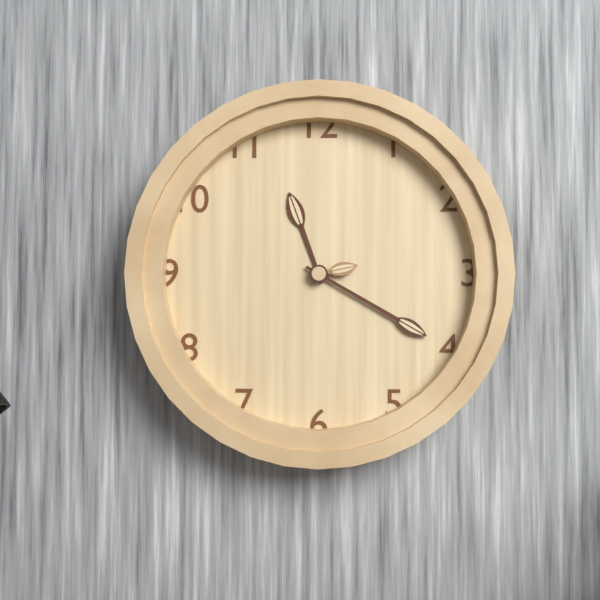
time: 11:20:13
